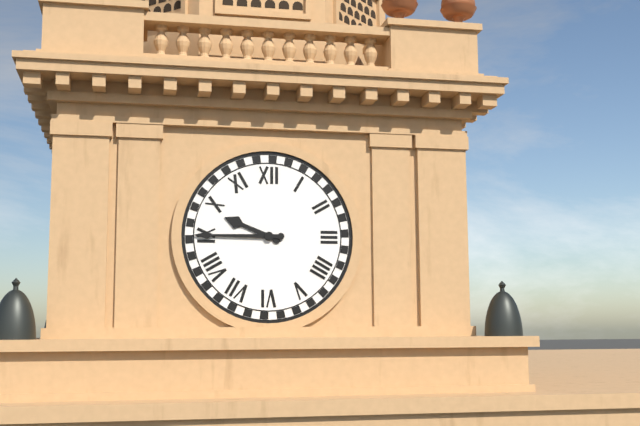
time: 9:45
